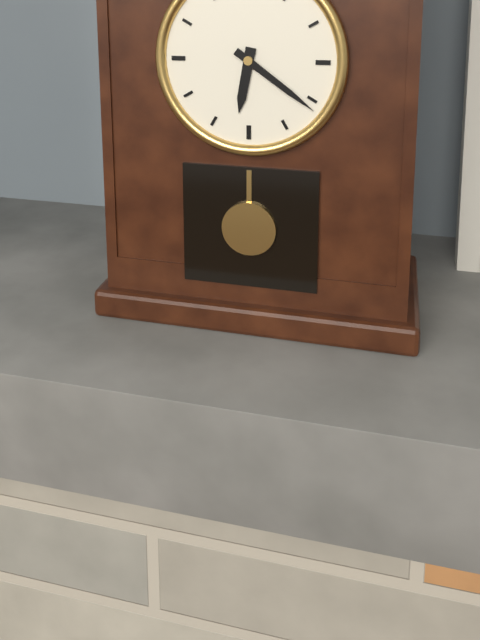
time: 6:21
